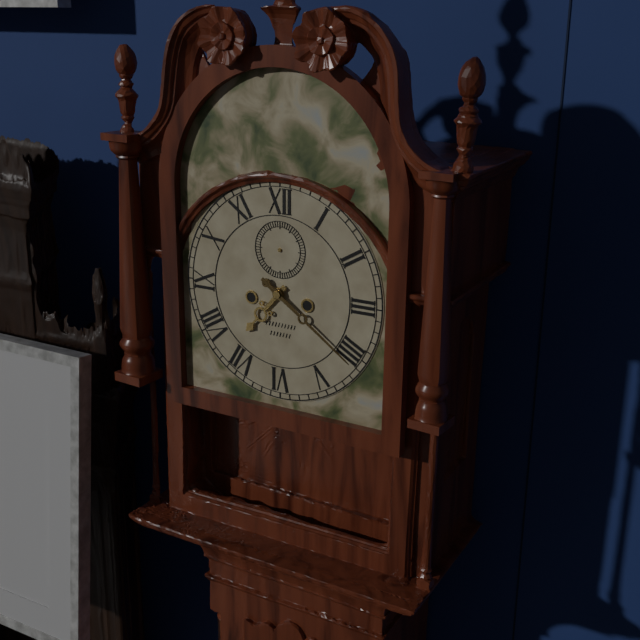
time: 7:21
